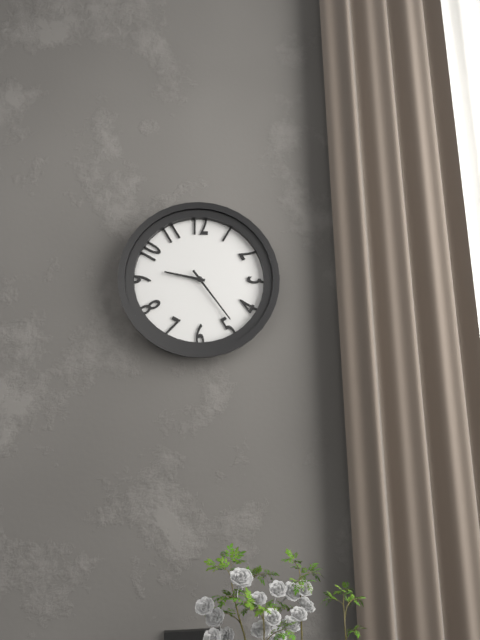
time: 9:24
